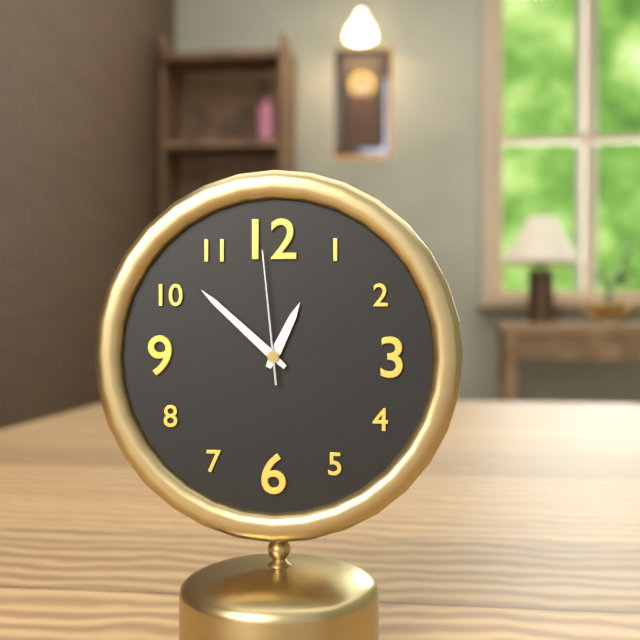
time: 12:52:59
